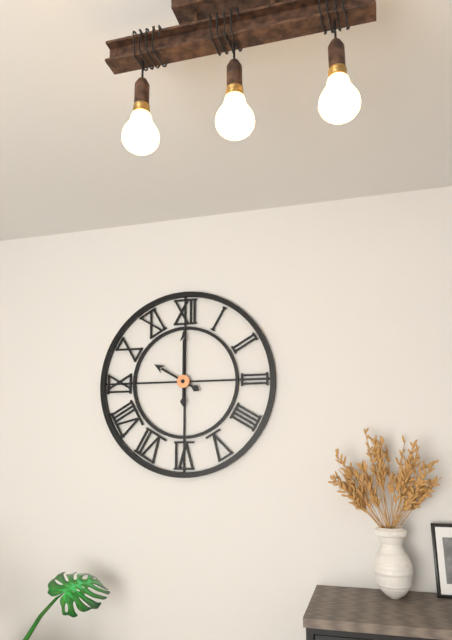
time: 10:00
